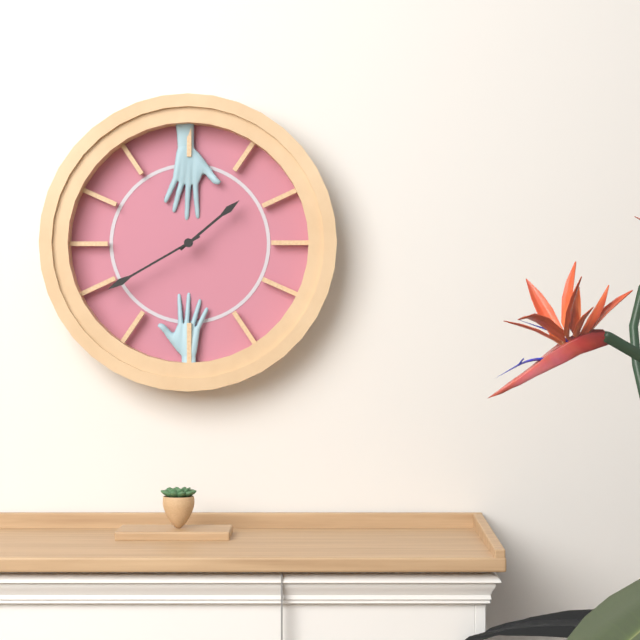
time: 1:40
